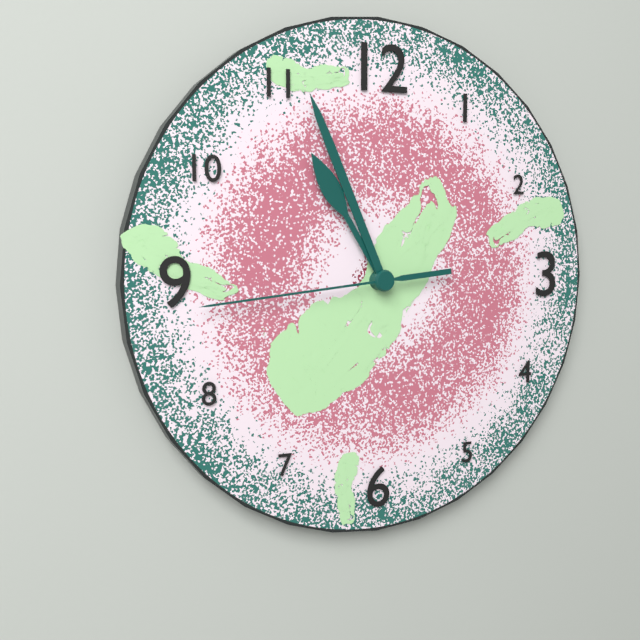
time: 10:56:44
